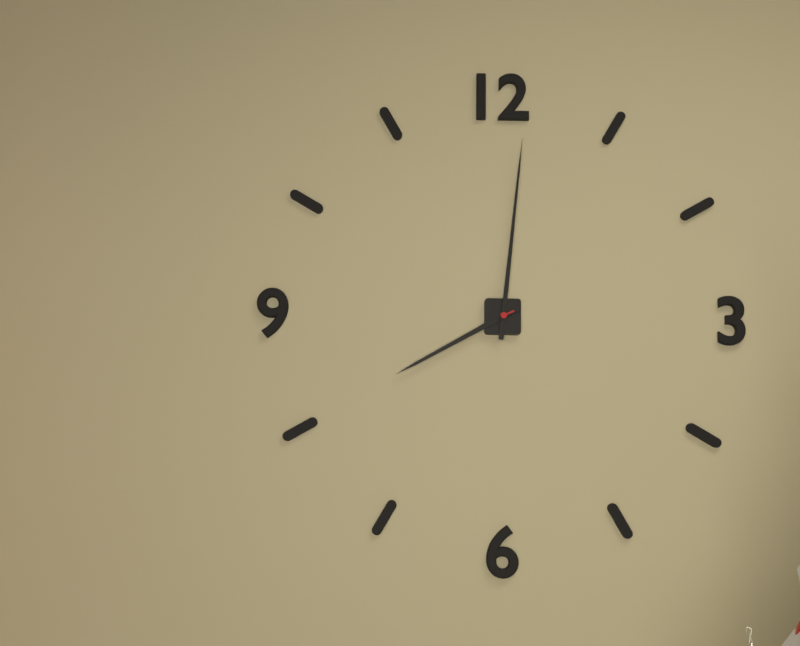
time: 8:01
